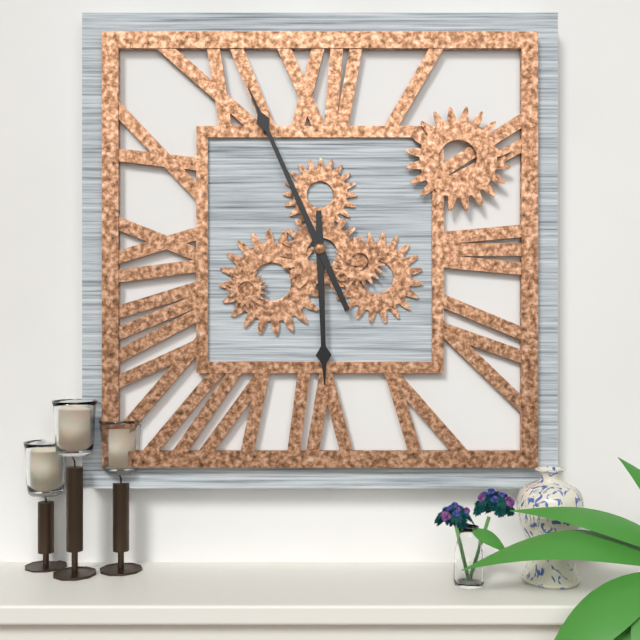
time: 5:56
